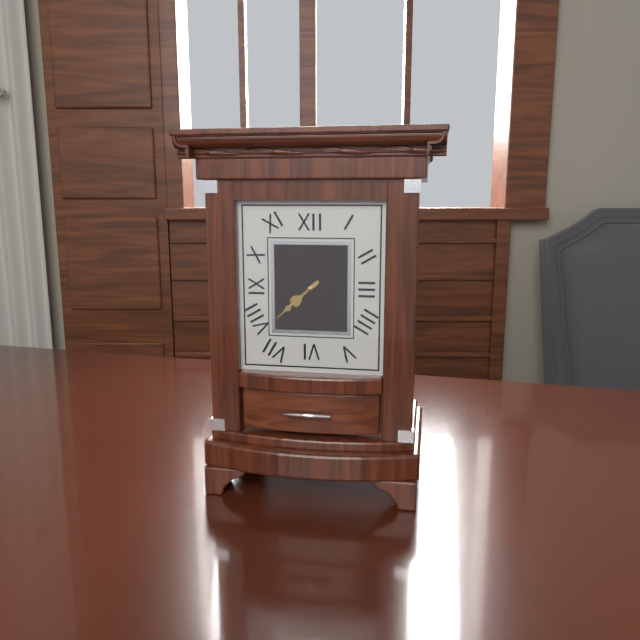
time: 7:38
